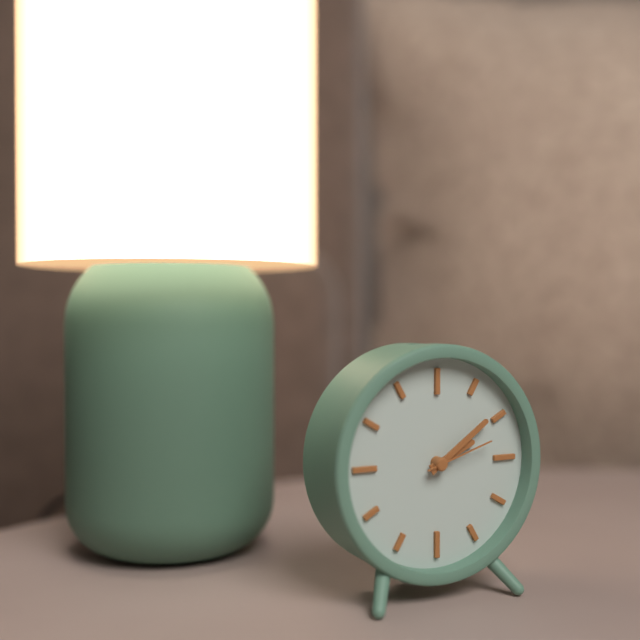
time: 2:09:12
